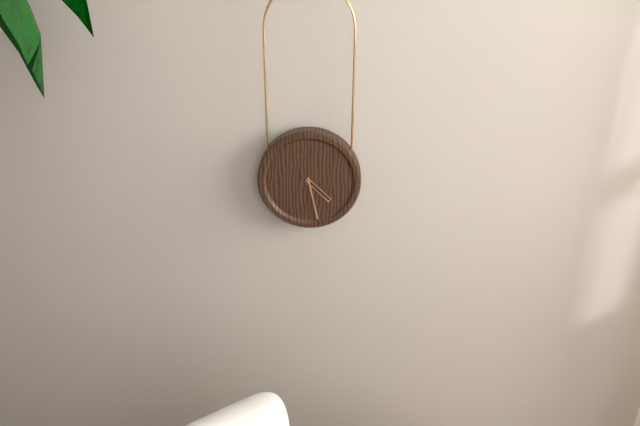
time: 4:28
